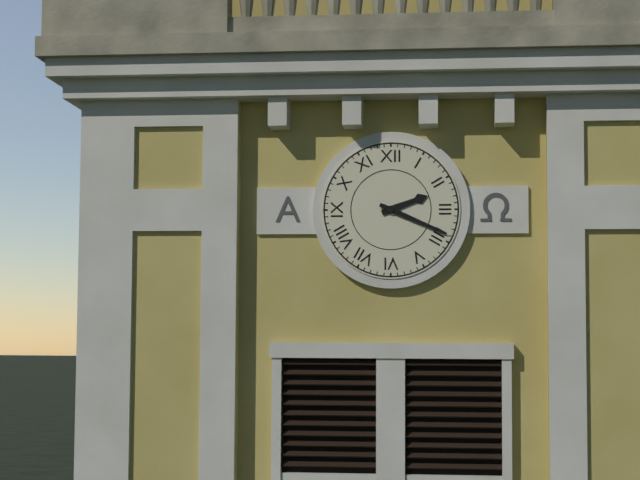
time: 2:19
